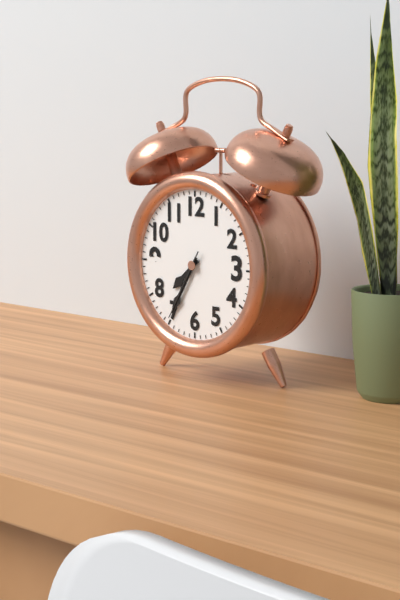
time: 7:35:35
